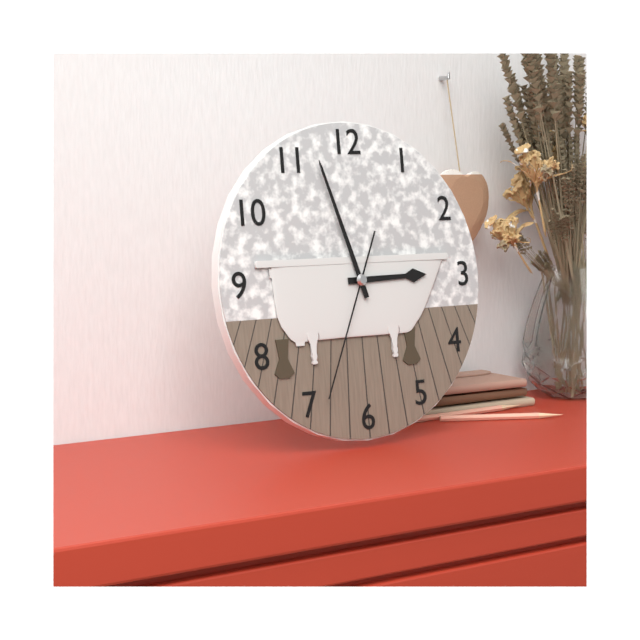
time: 2:57:34
